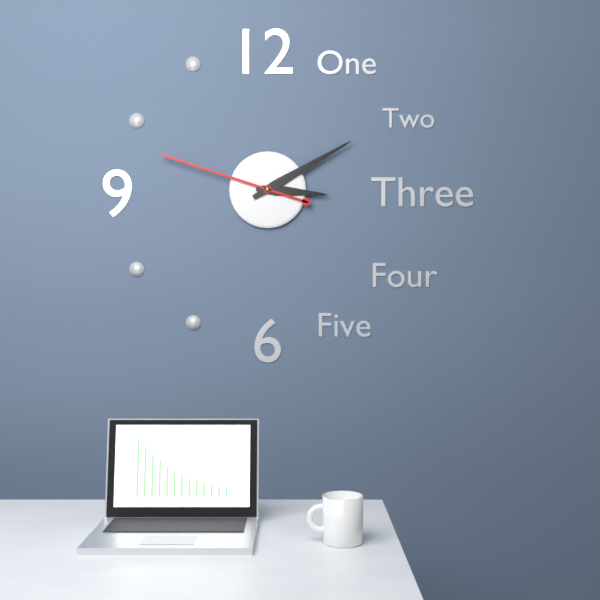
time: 3:10:48
